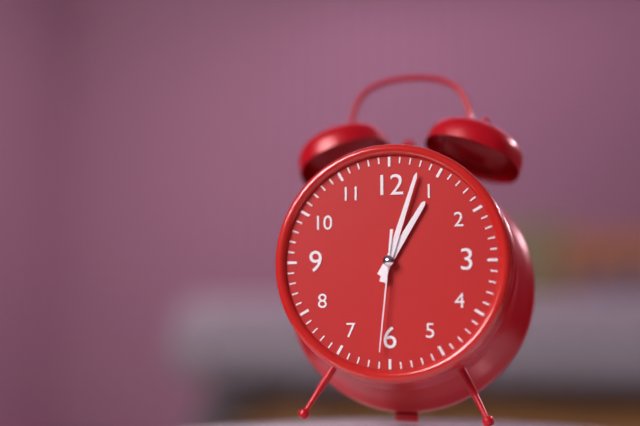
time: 1:03:31
